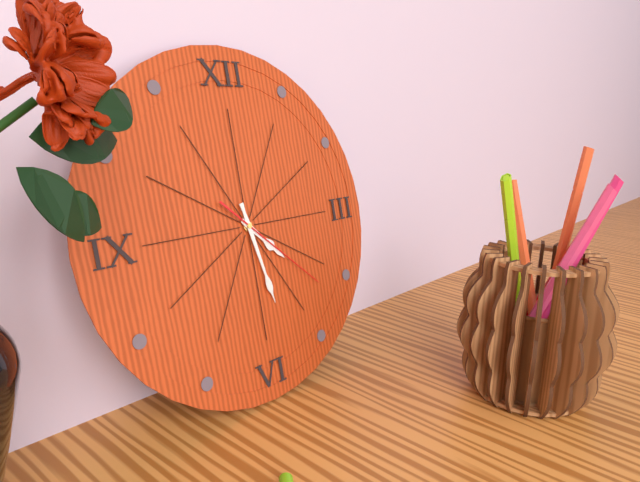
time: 4:28:22
